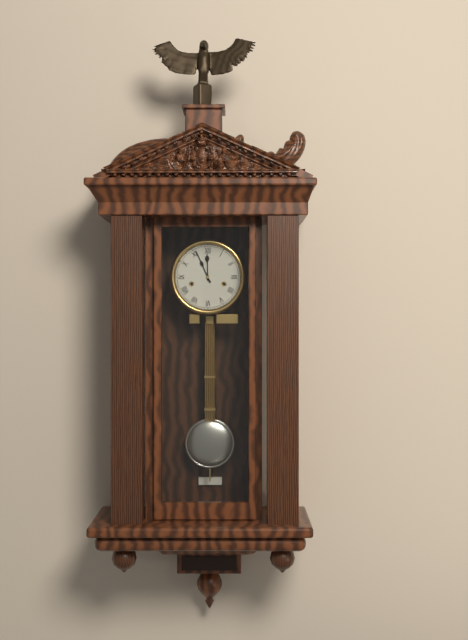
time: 11:56
